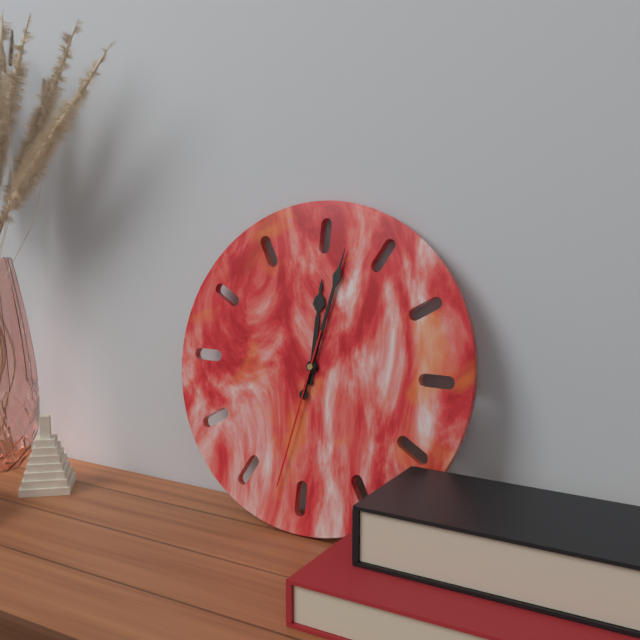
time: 12:02:32
